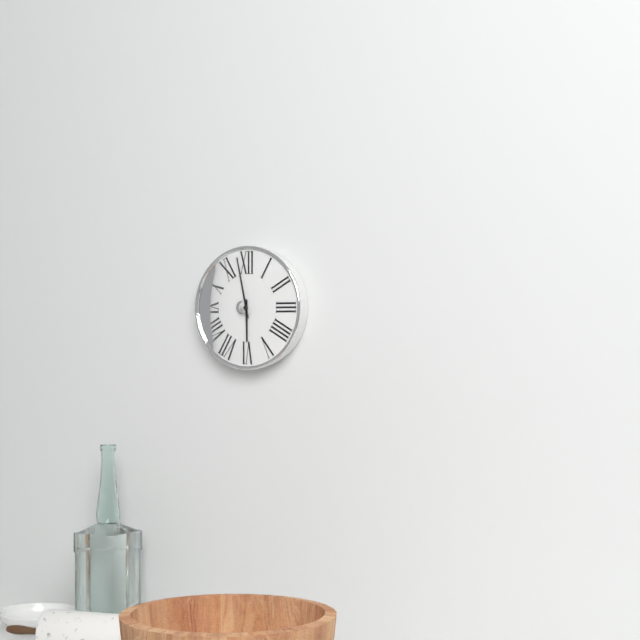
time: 5:58
